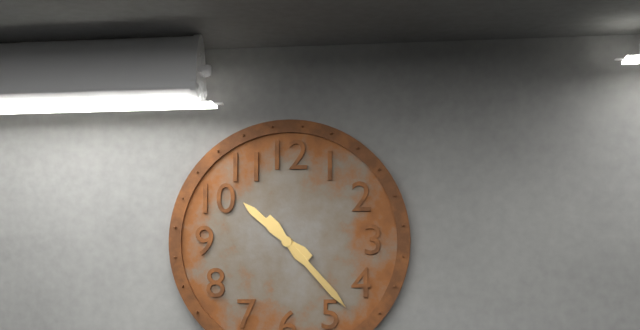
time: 10:23
